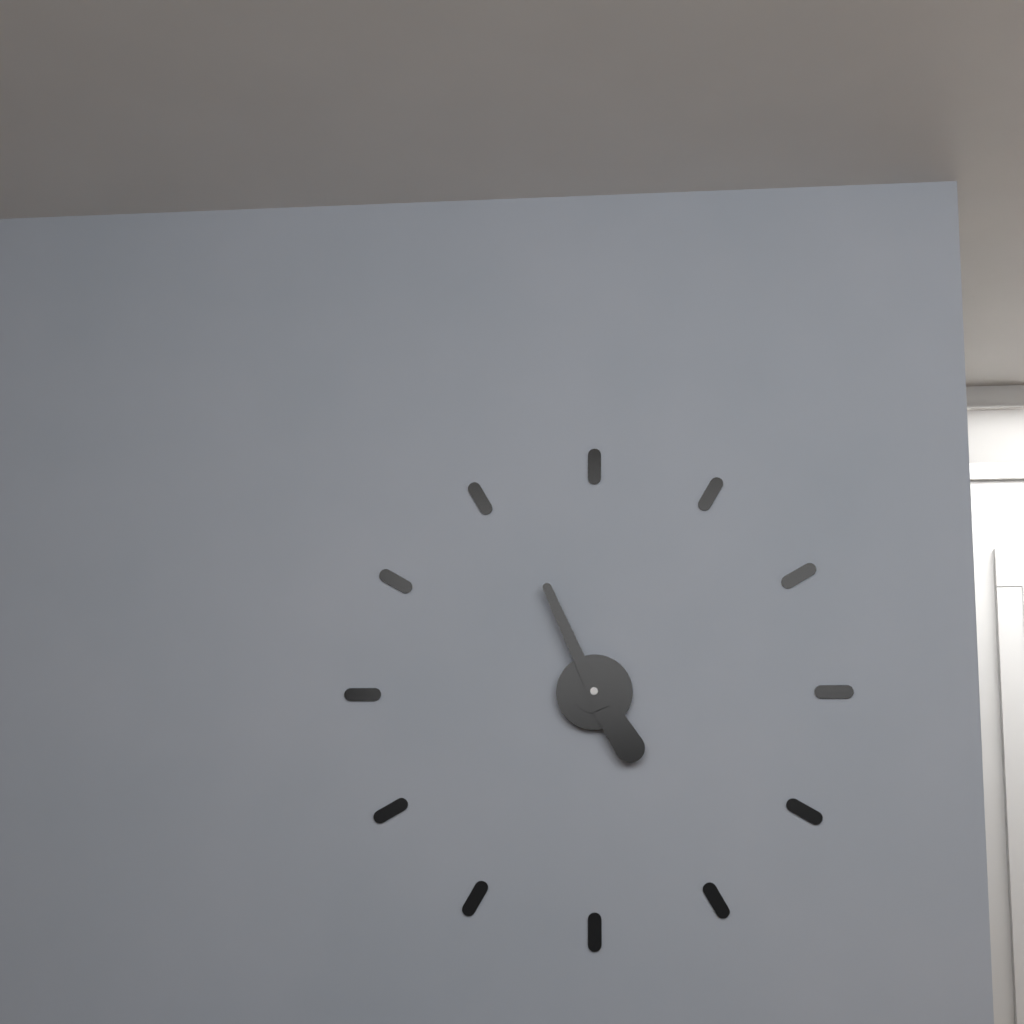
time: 4:56
